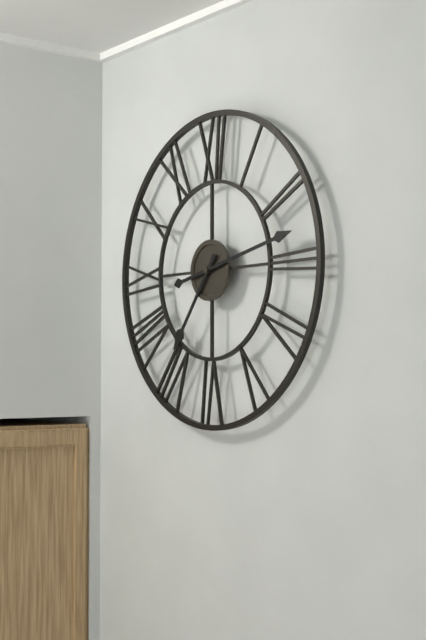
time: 7:13
